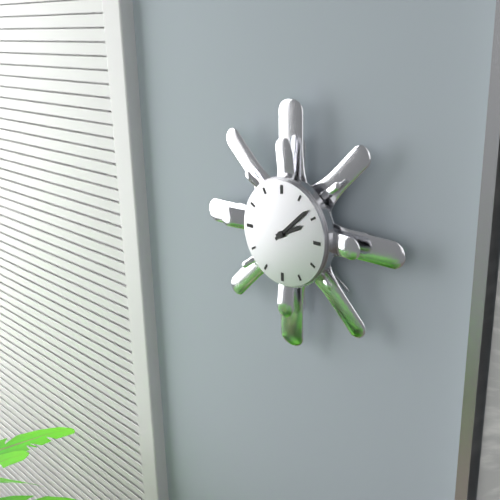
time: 2:08
